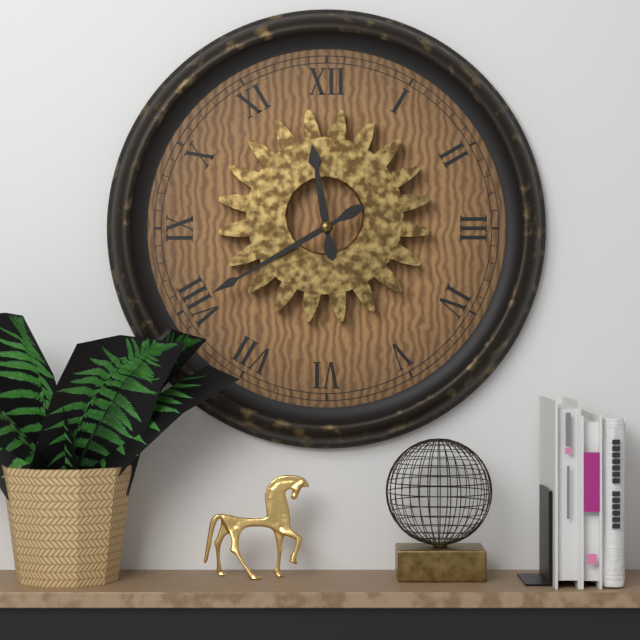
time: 11:40
